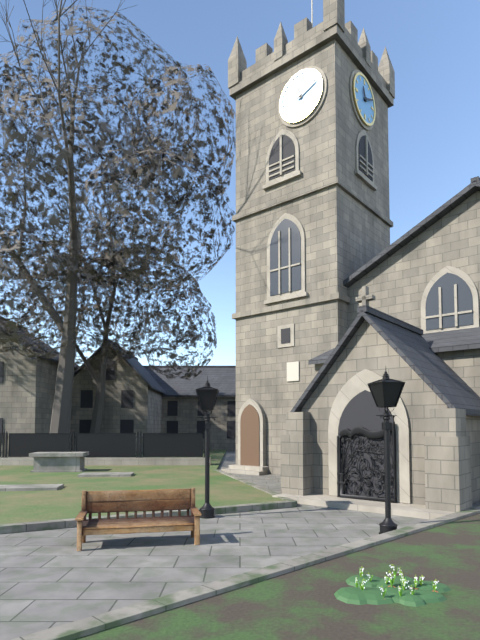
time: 11:11
